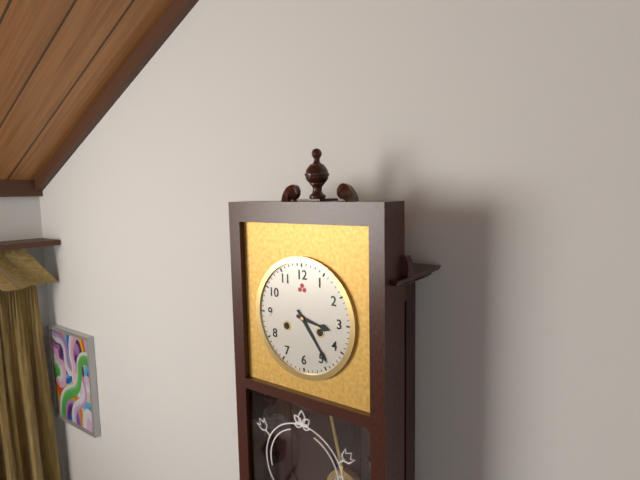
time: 3:24
